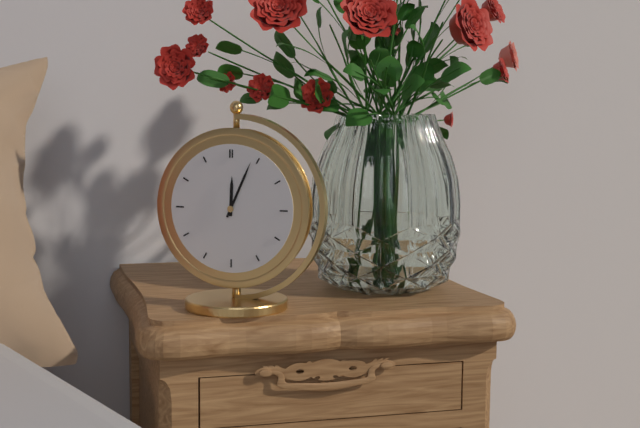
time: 12:04
